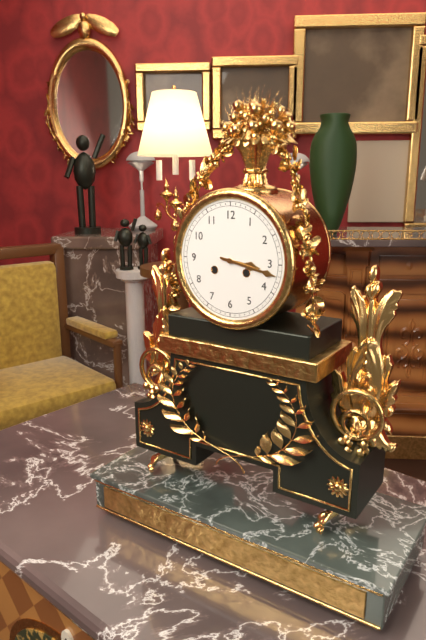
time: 3:17
